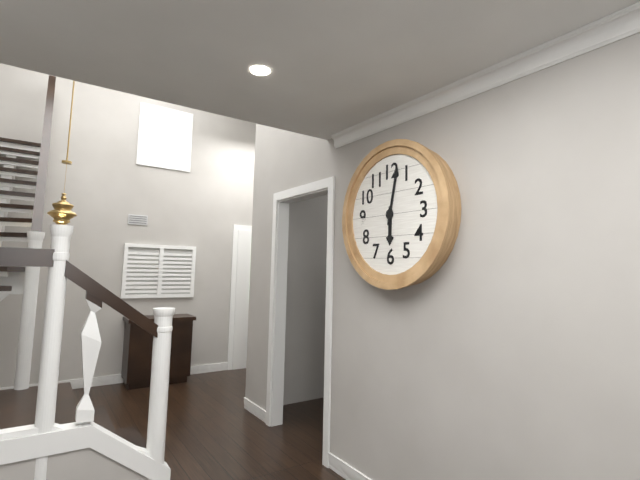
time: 6:02
